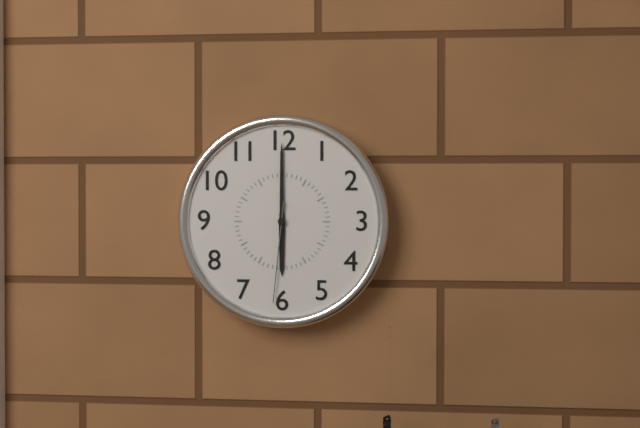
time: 6:00:31
